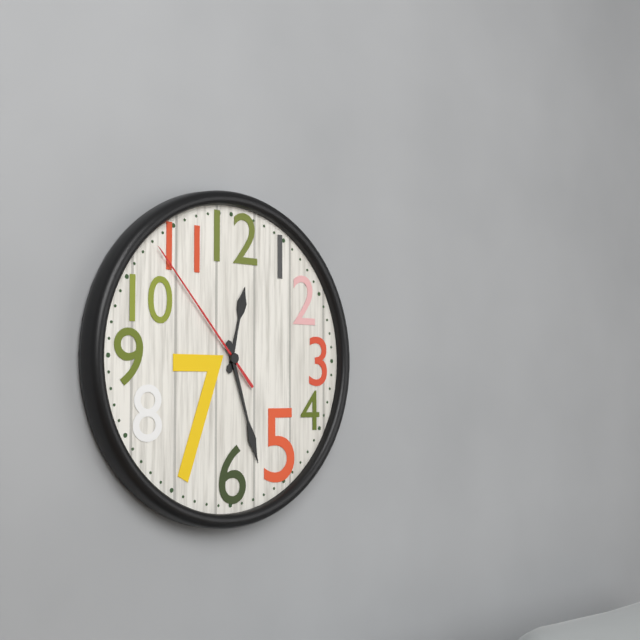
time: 12:27:53
